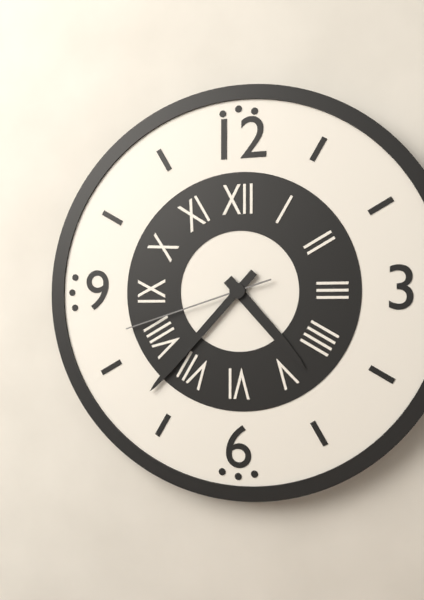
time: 4:37:42
